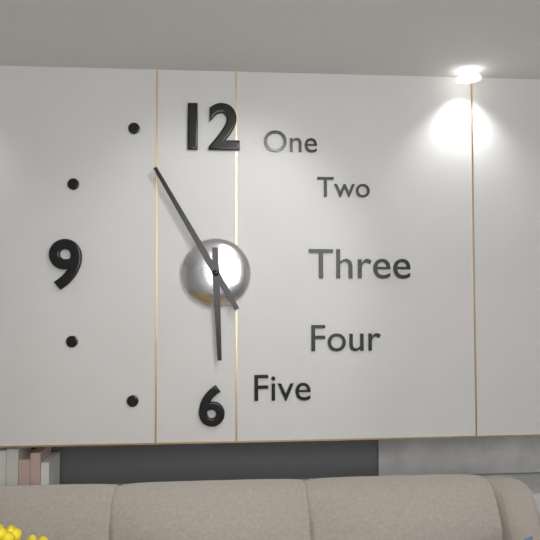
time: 5:55
